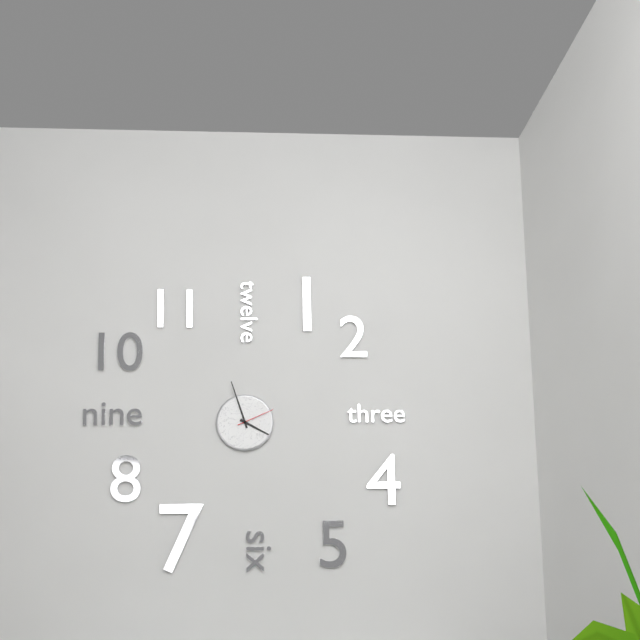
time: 3:57
